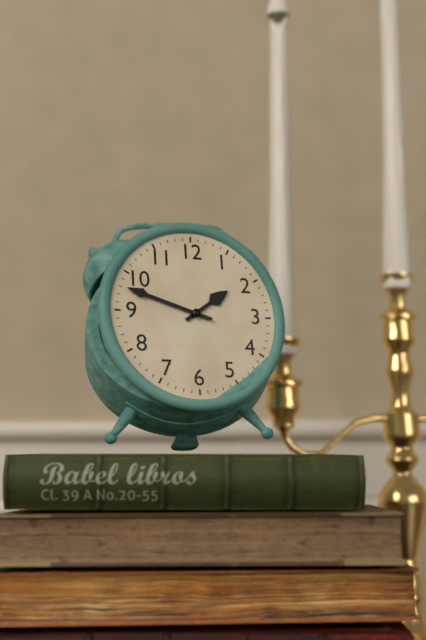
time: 1:48
